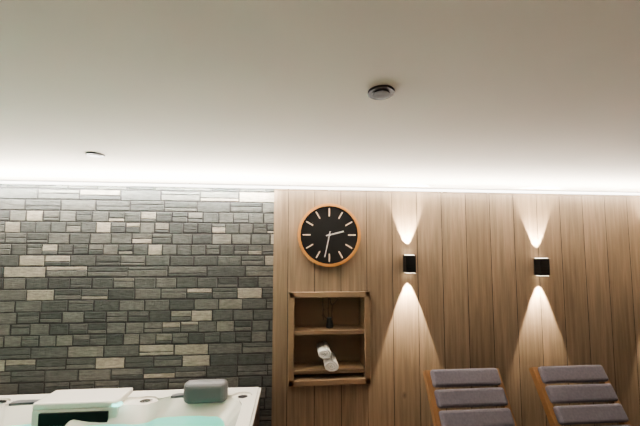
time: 2:32
